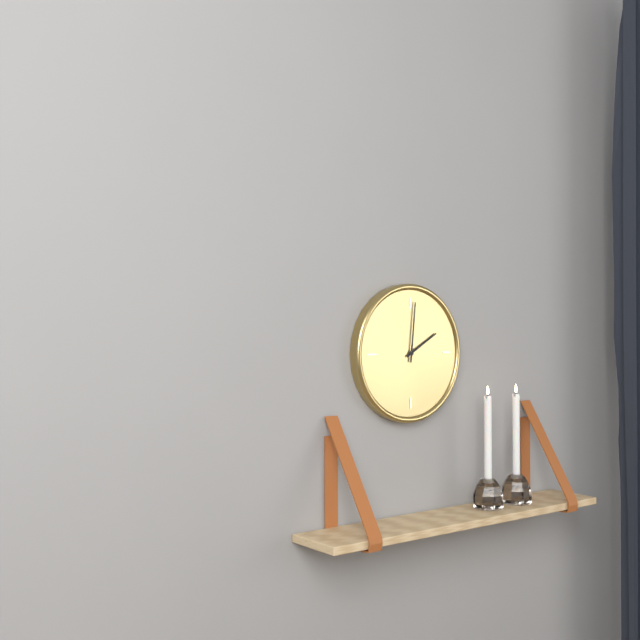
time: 2:01
